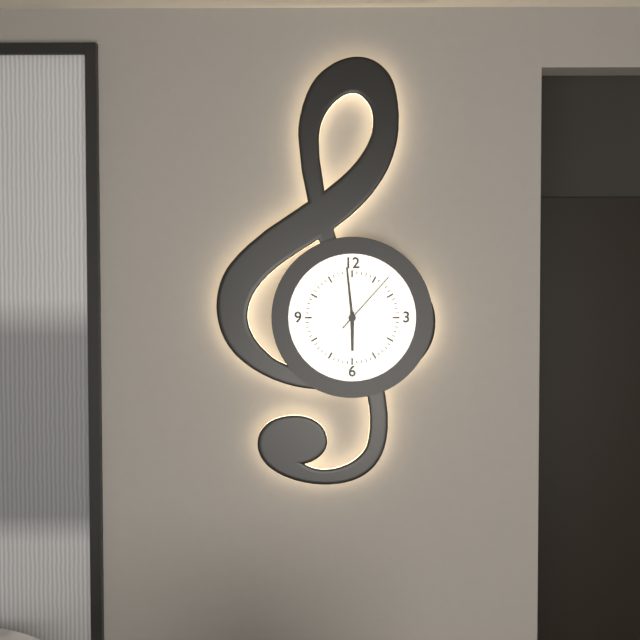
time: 5:59:07
